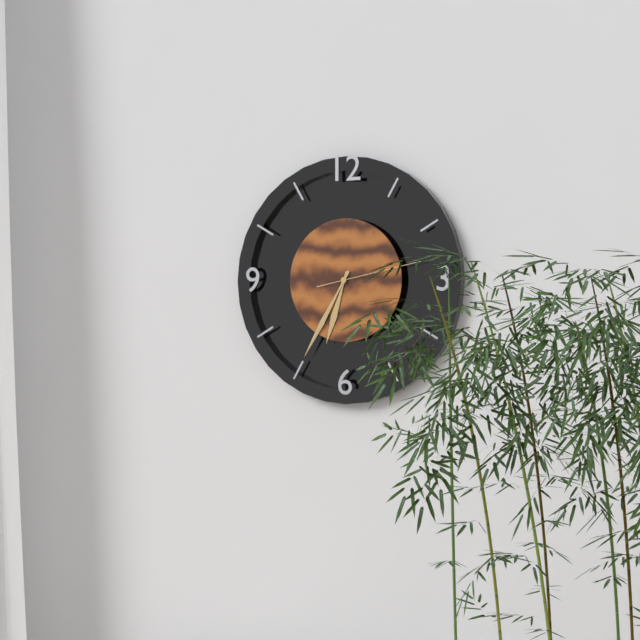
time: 6:35:13
